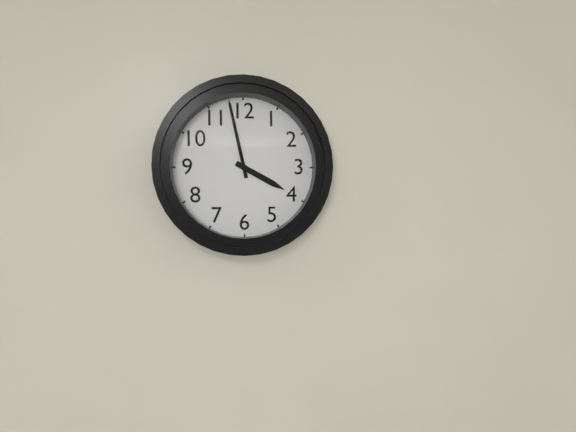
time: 3:58
